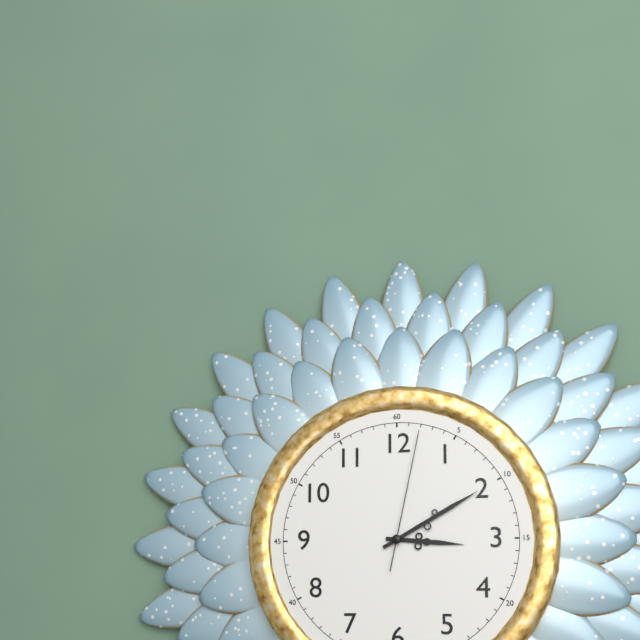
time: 3:10:02
